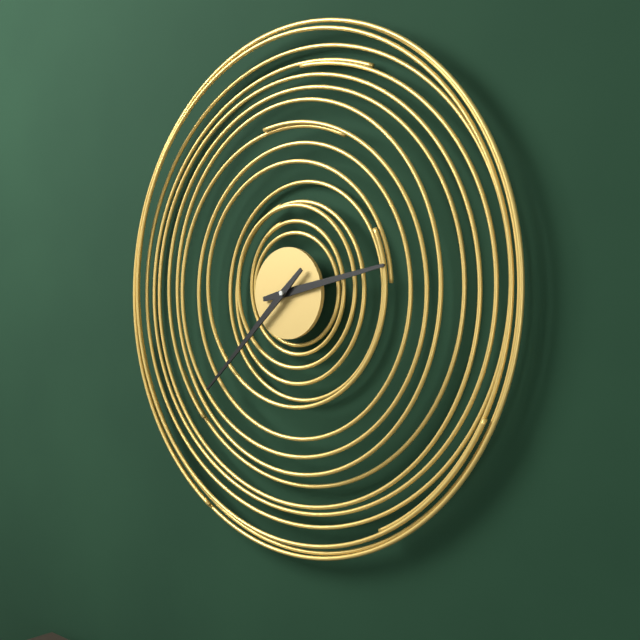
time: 2:38
